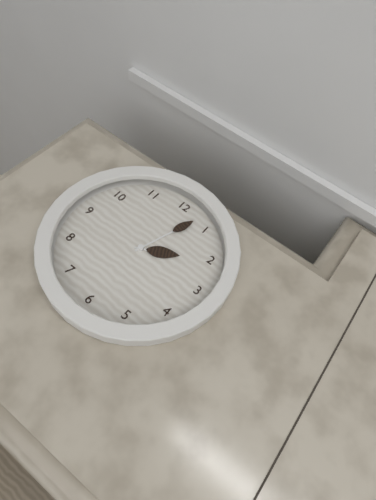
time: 2:03
